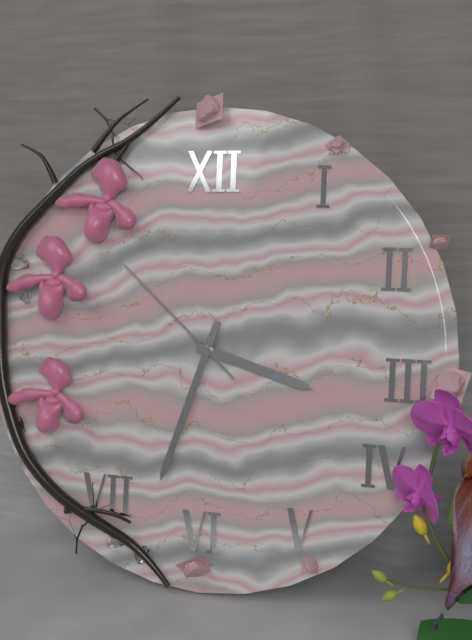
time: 3:33:52
